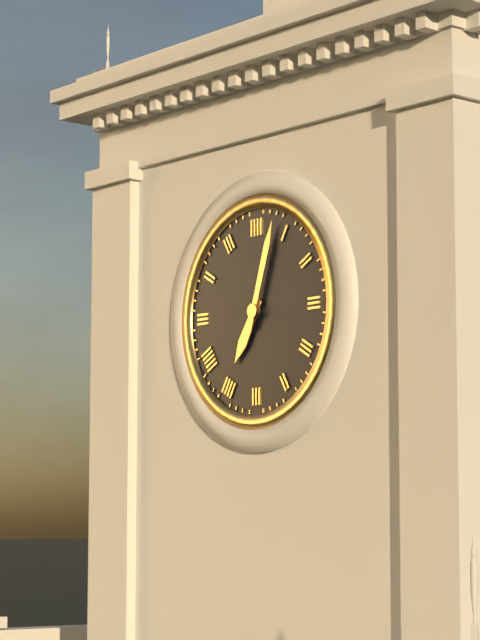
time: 7:03
